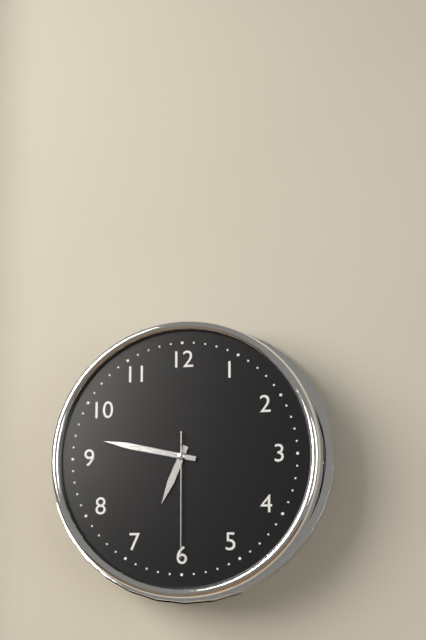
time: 6:47:30
